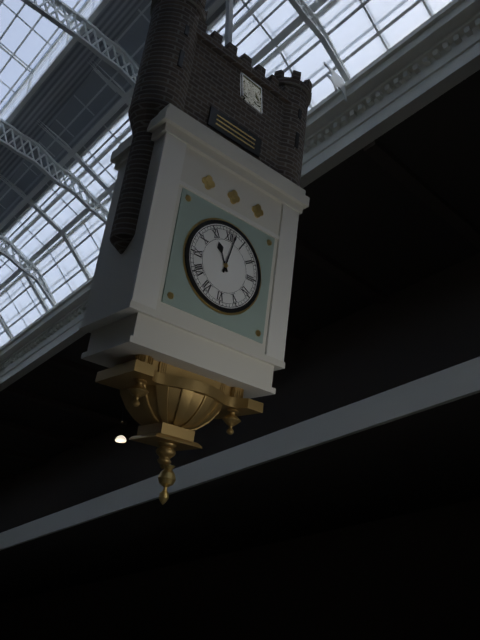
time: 11:02
